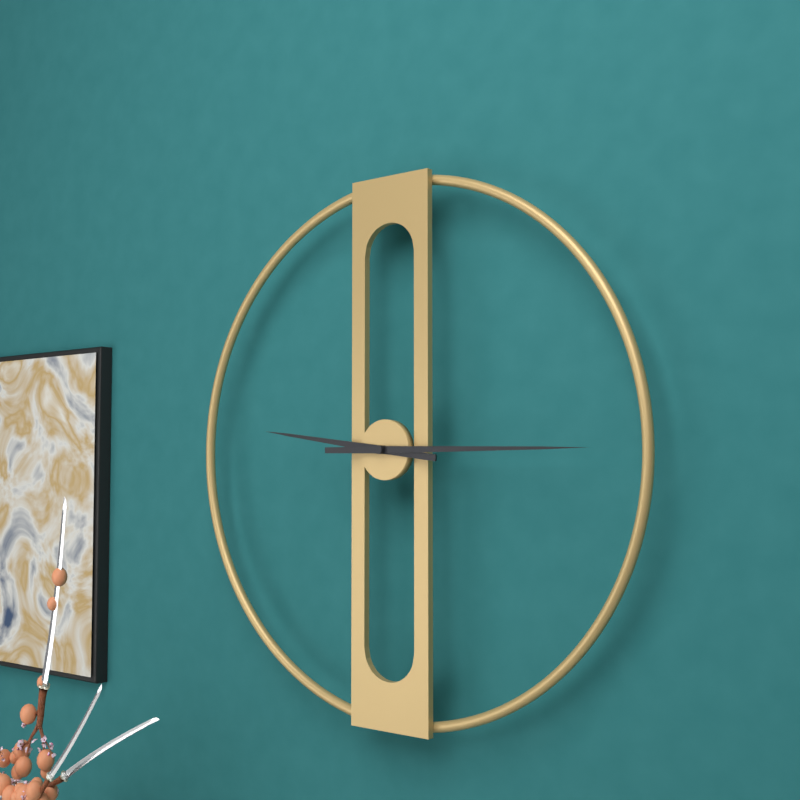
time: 9:15
